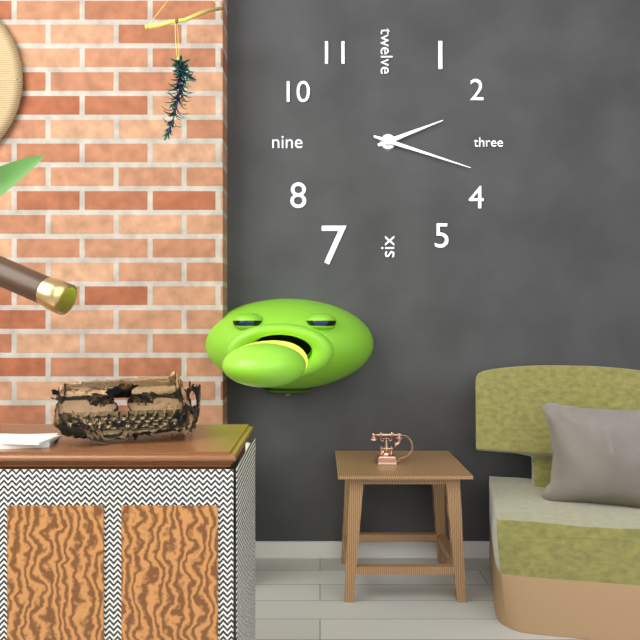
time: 2:18
